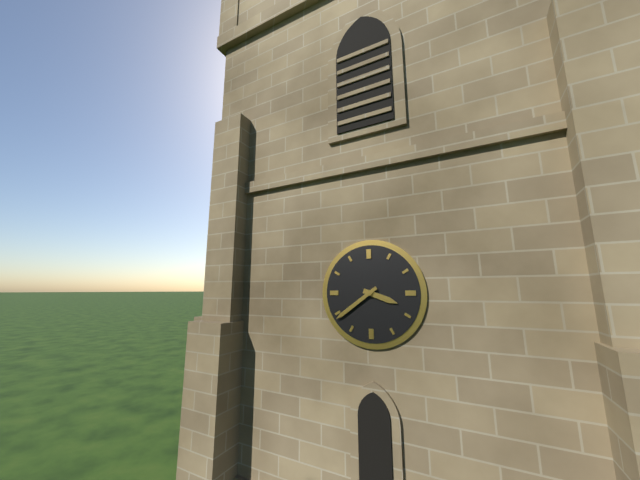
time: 3:39
